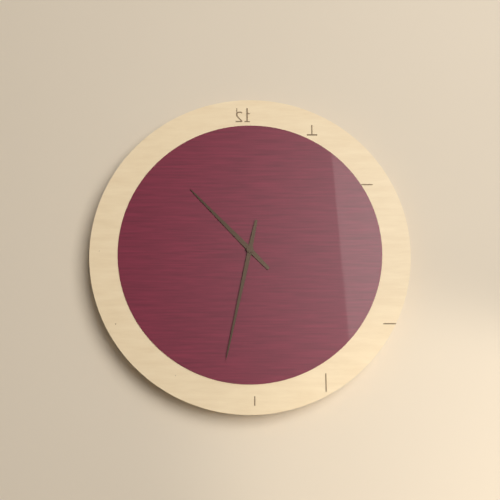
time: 10:32
